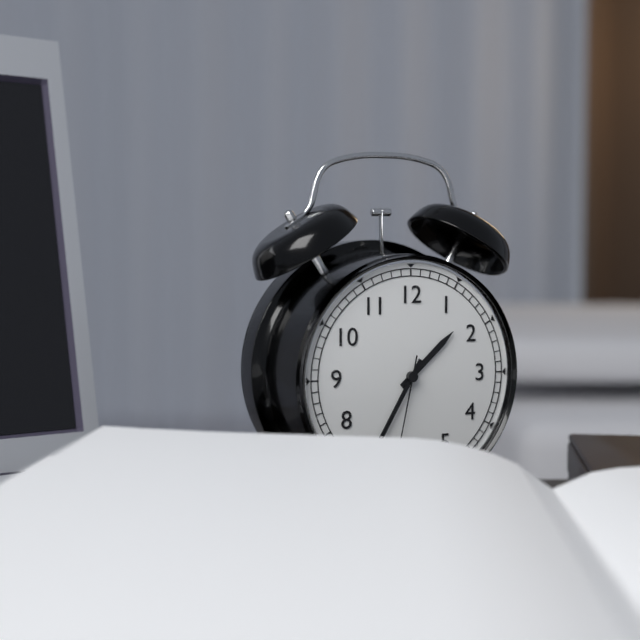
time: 1:35:32
